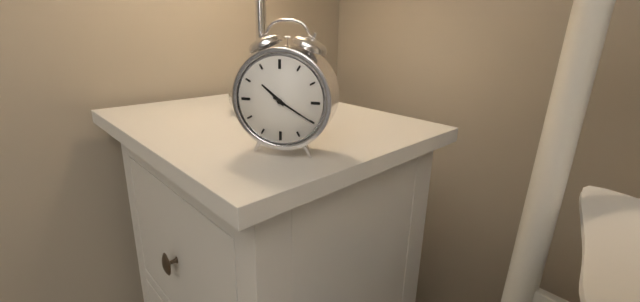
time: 10:20
